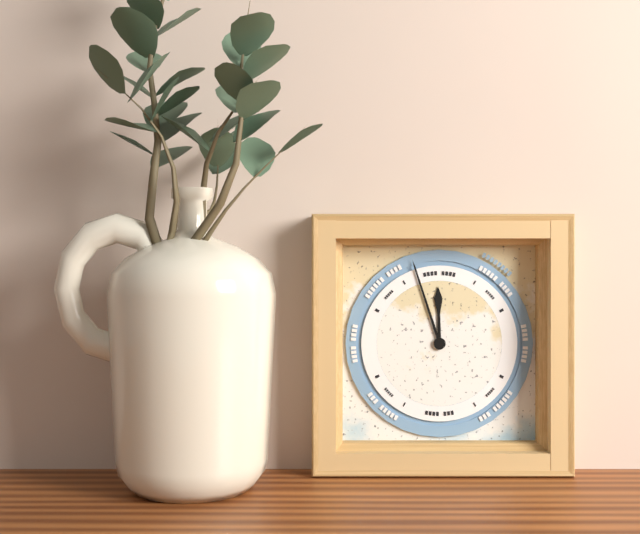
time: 11:57
